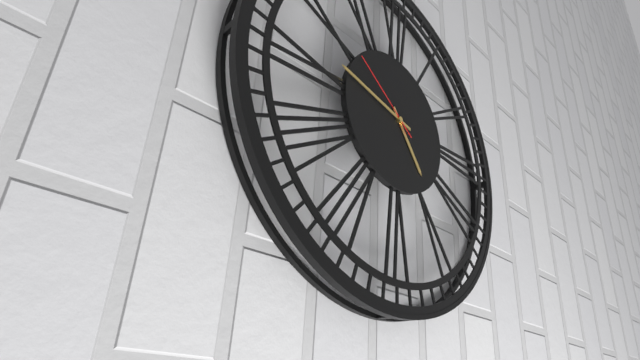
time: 4:47:51
